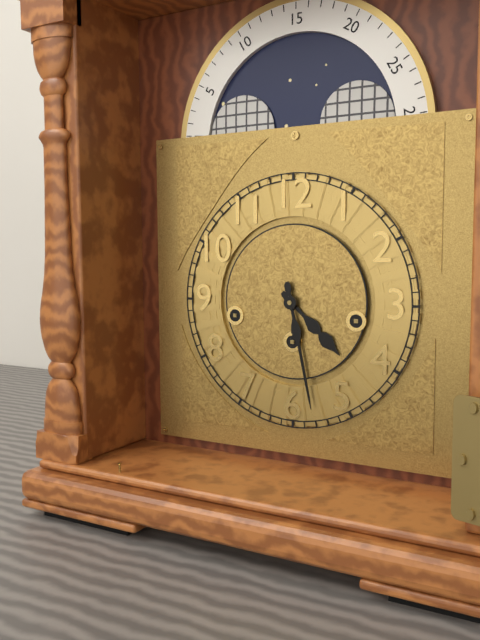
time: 4:28
